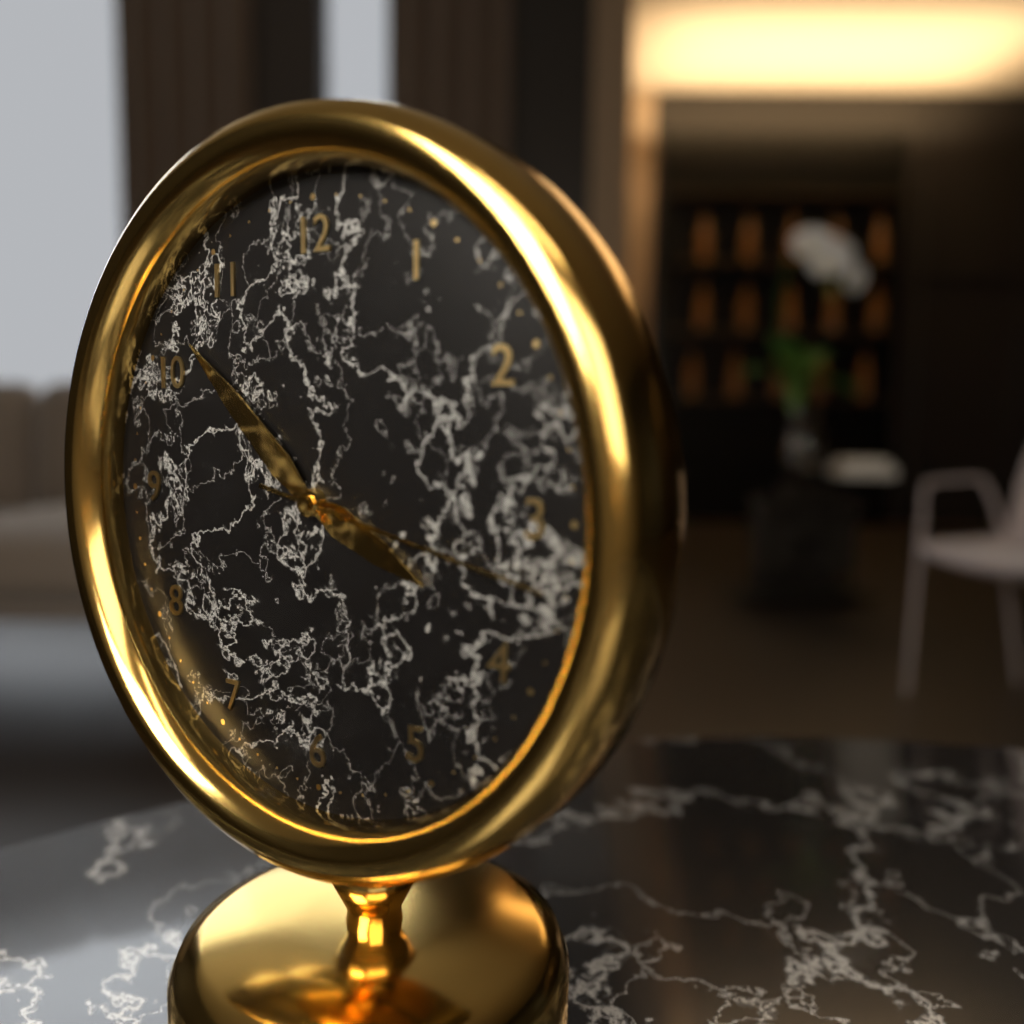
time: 3:52:17
